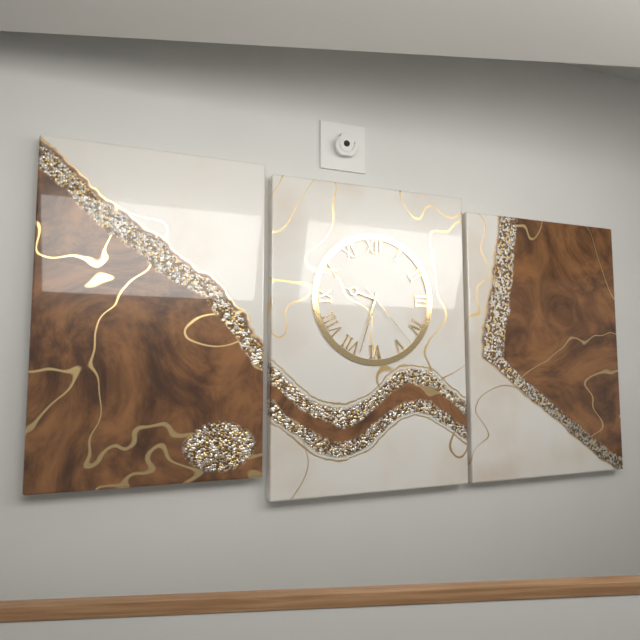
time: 9:33:23
